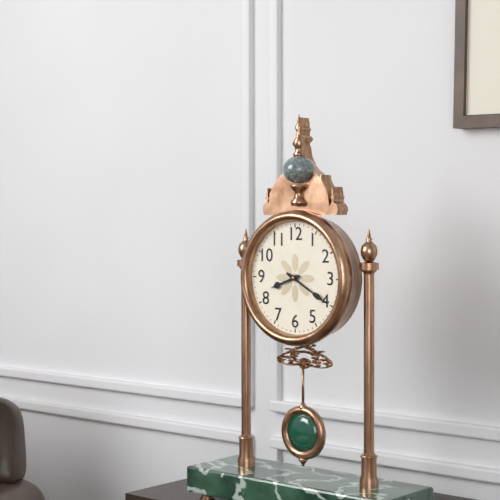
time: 8:20
